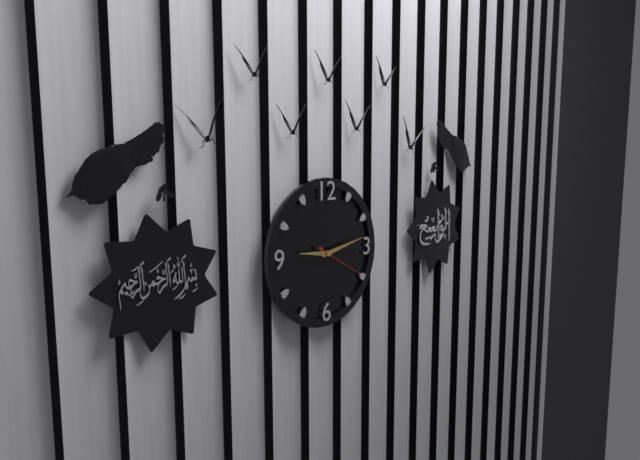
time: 9:13:20
